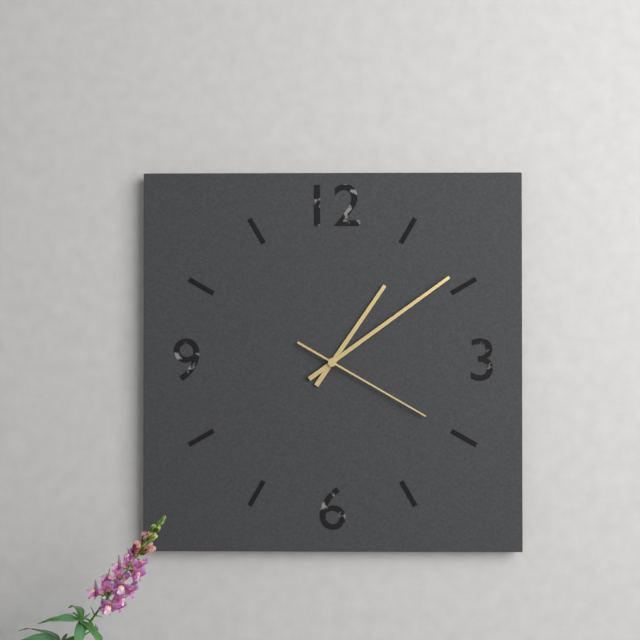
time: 1:09:20
